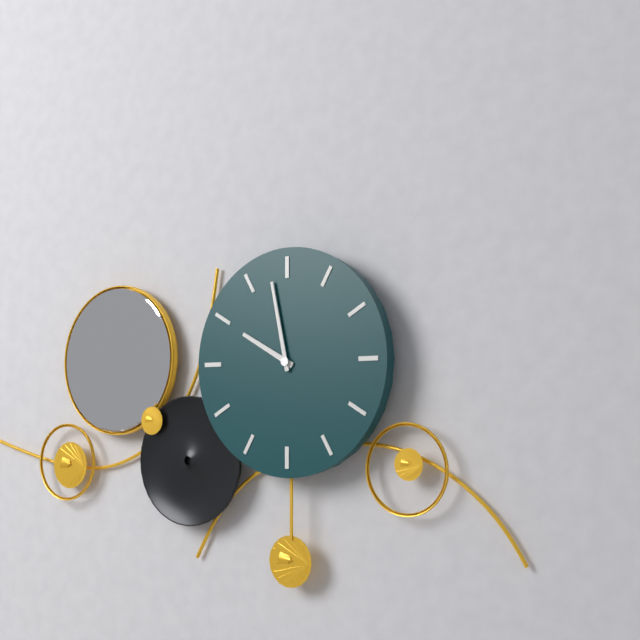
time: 9:58
